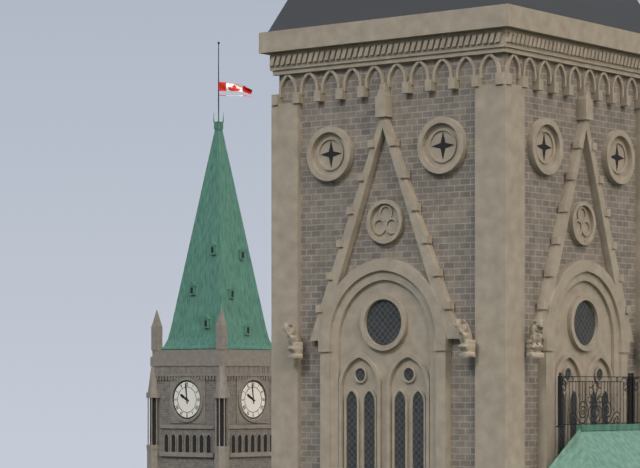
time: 9:59
